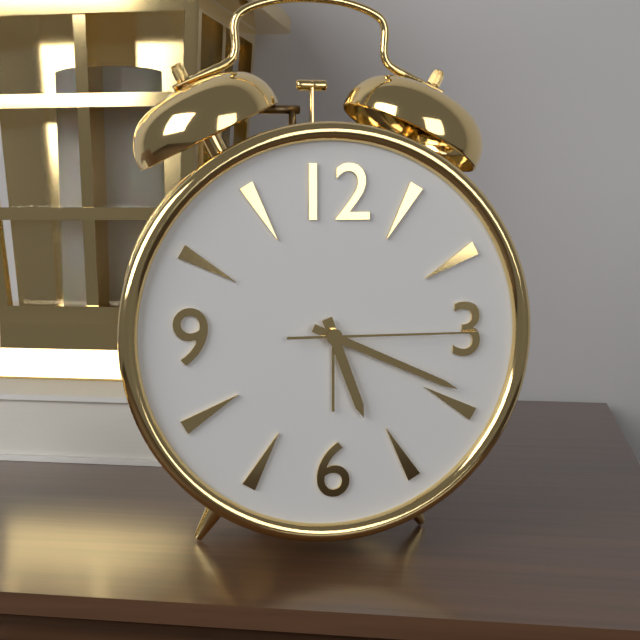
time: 5:19:15
